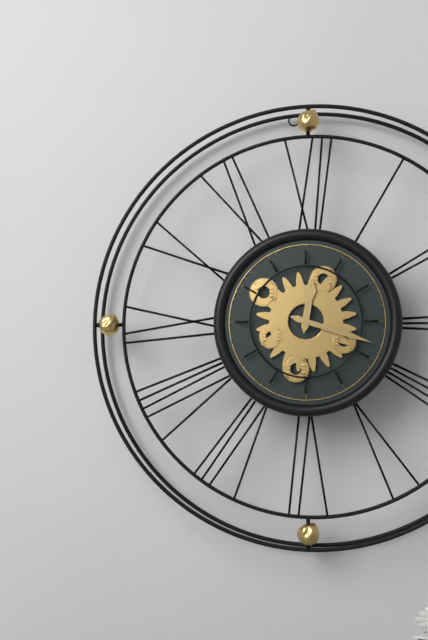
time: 12:18
